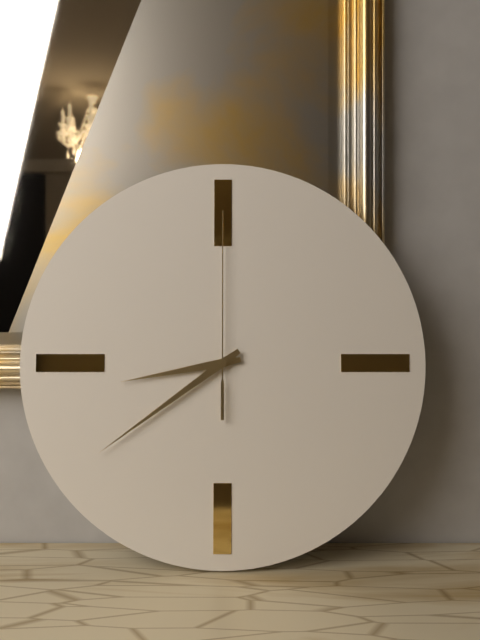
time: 8:39:00
